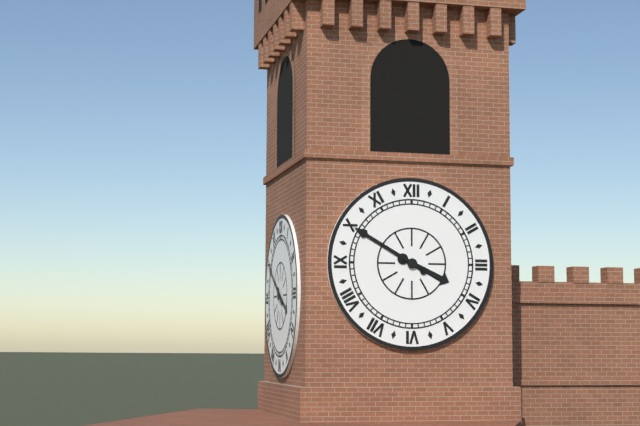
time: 3:50
